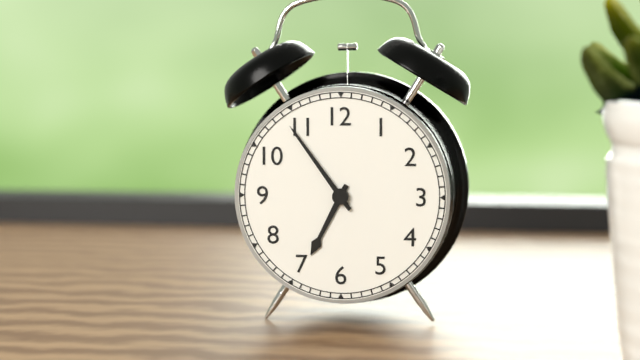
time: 6:54
